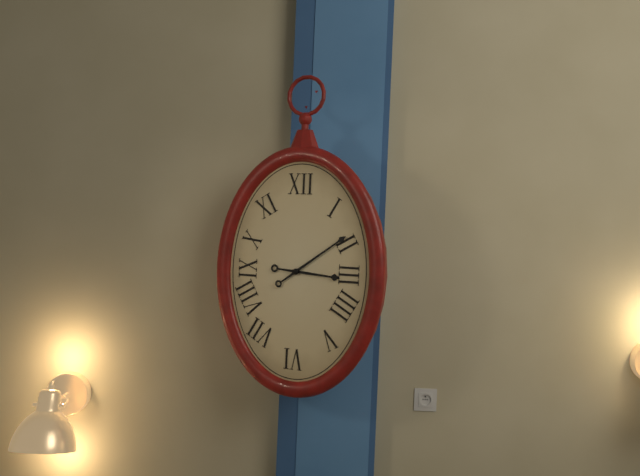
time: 3:09
